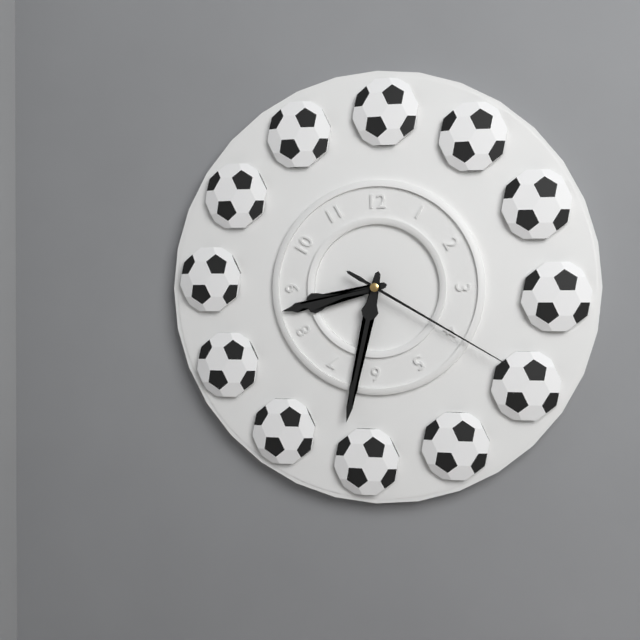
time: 8:32:20
